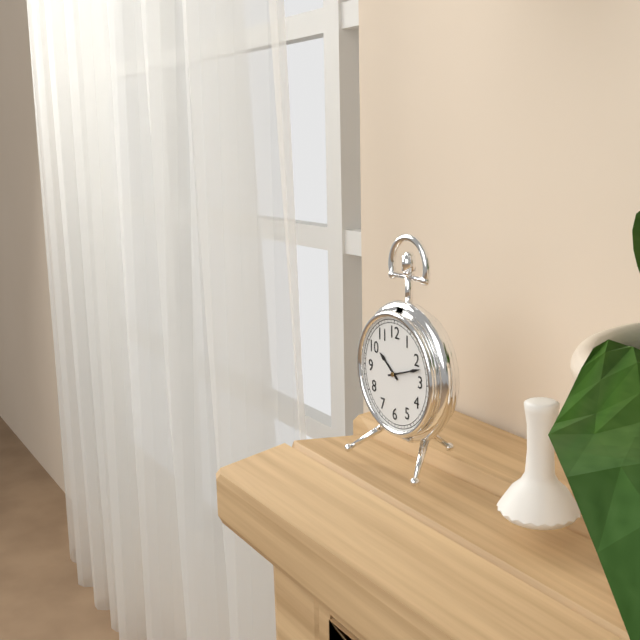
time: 10:12
